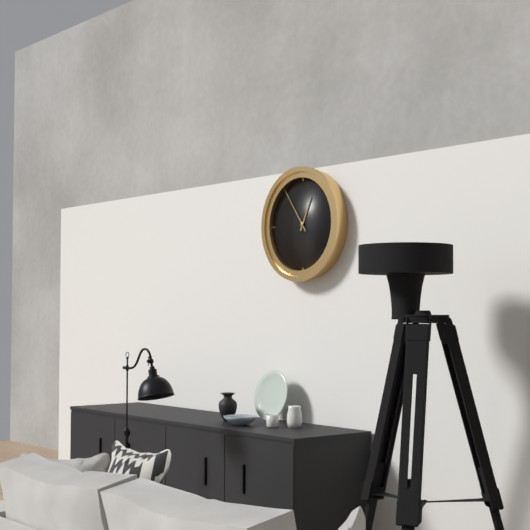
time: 12:54
